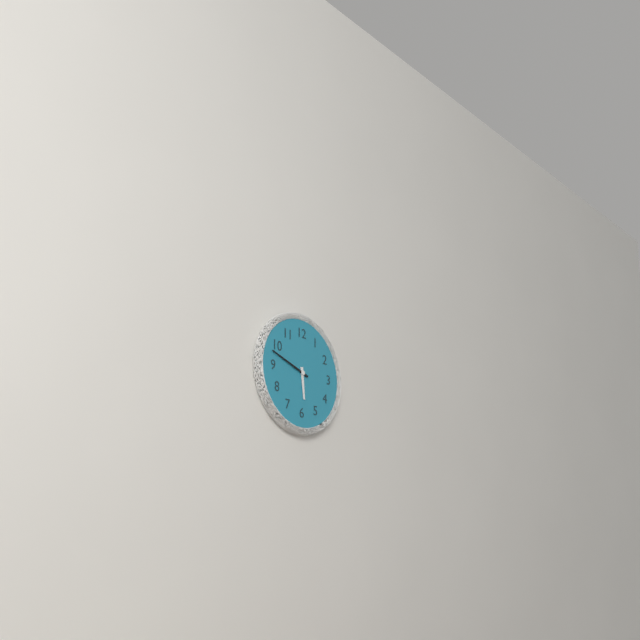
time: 5:48
